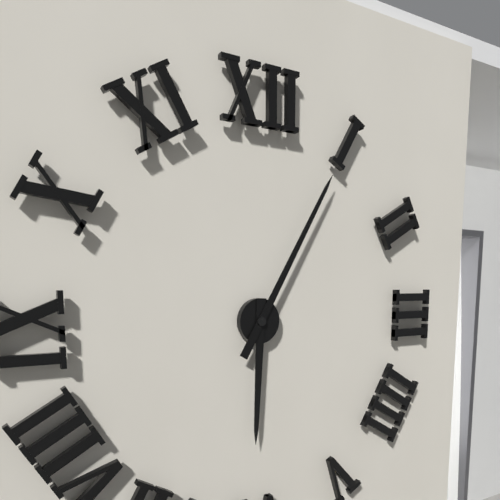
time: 6:05
